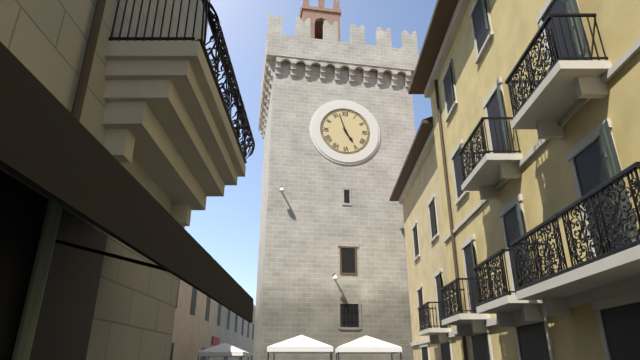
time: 4:57
